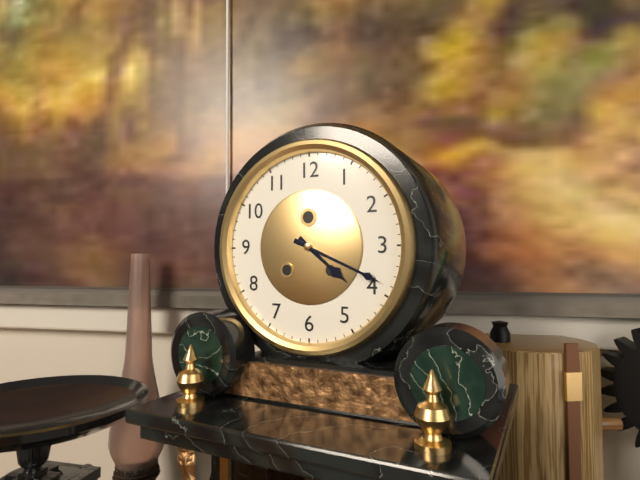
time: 4:19
